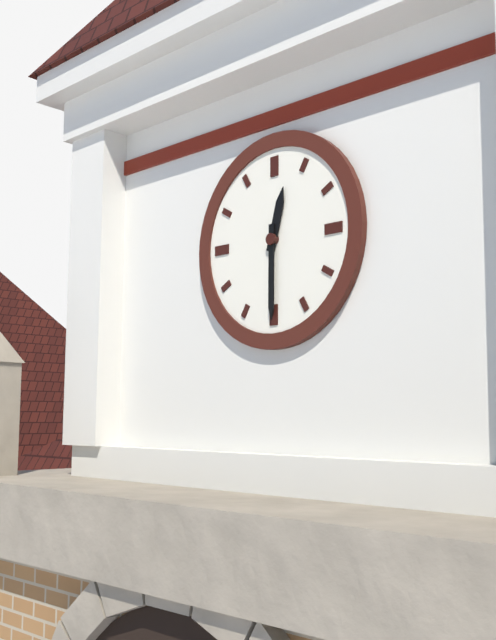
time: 12:30
